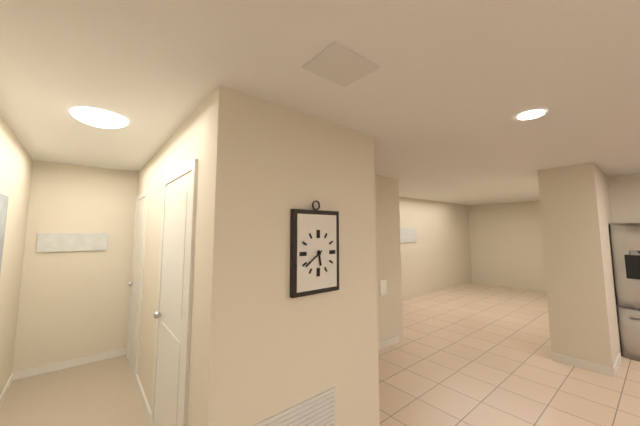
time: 5:39
